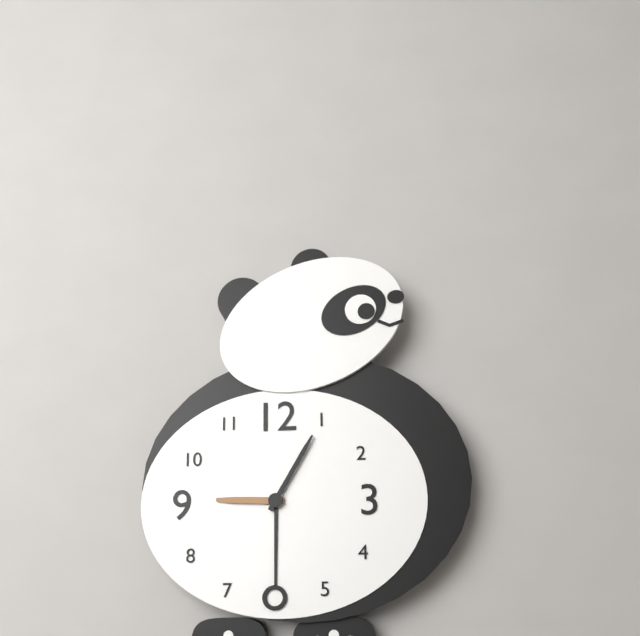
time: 9:05
